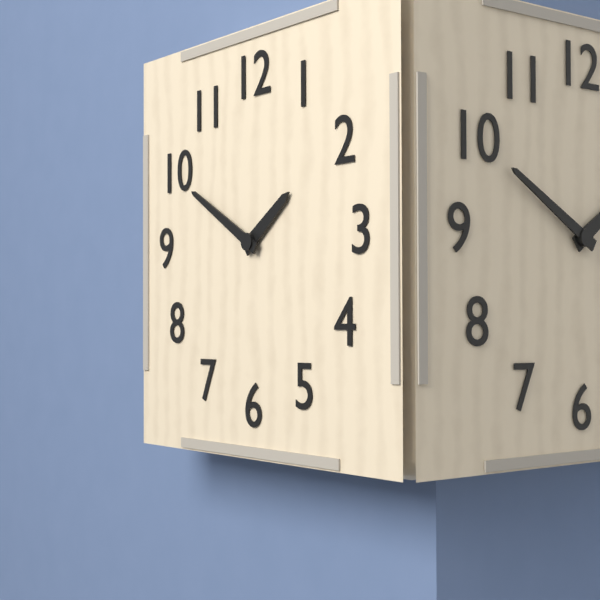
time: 1:50
